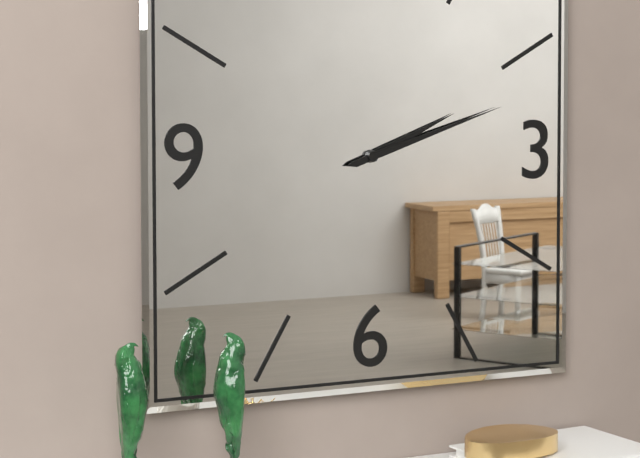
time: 2:12
